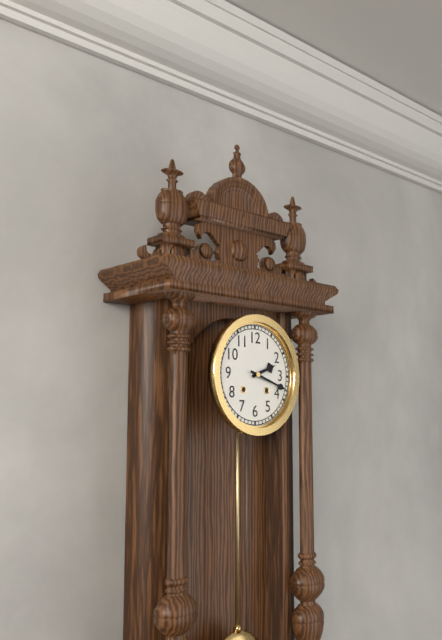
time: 2:18
